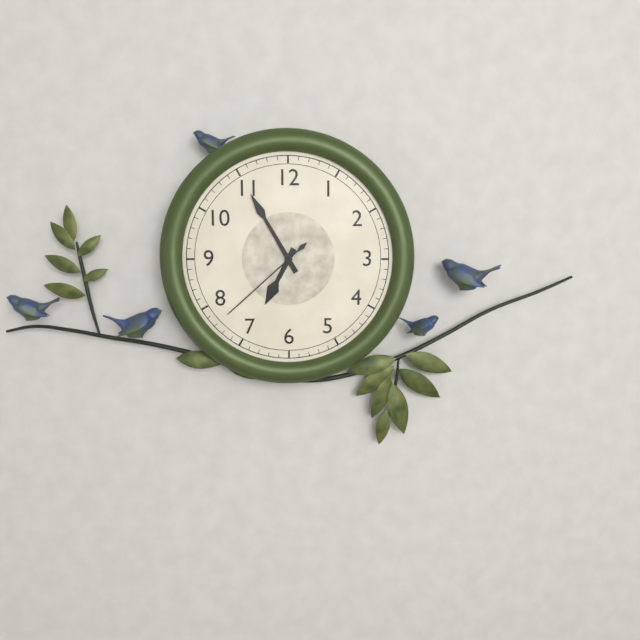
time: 6:55:38
